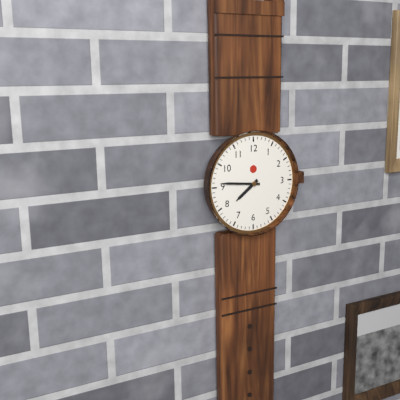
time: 7:46
